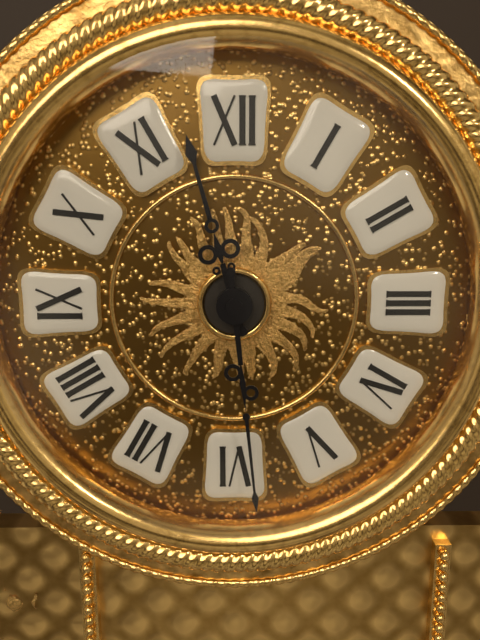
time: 11:29
